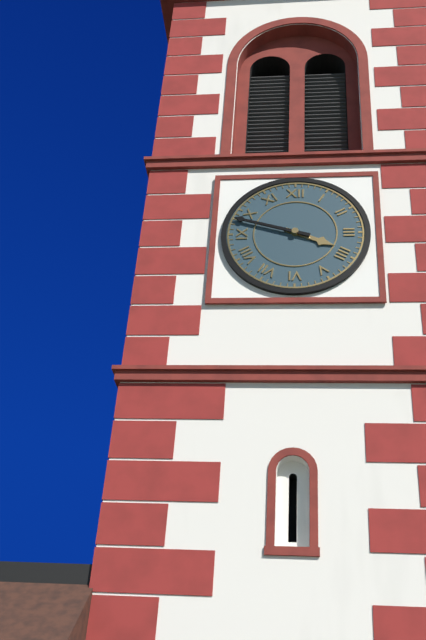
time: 3:48
